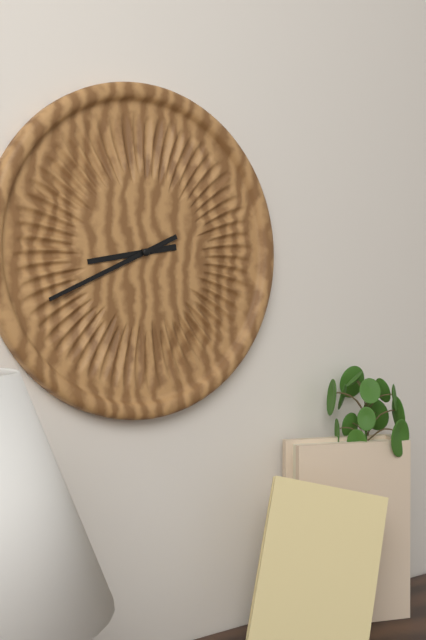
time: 8:41
